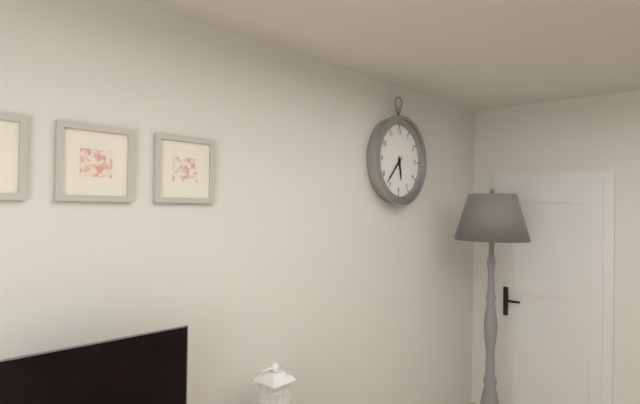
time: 5:37
